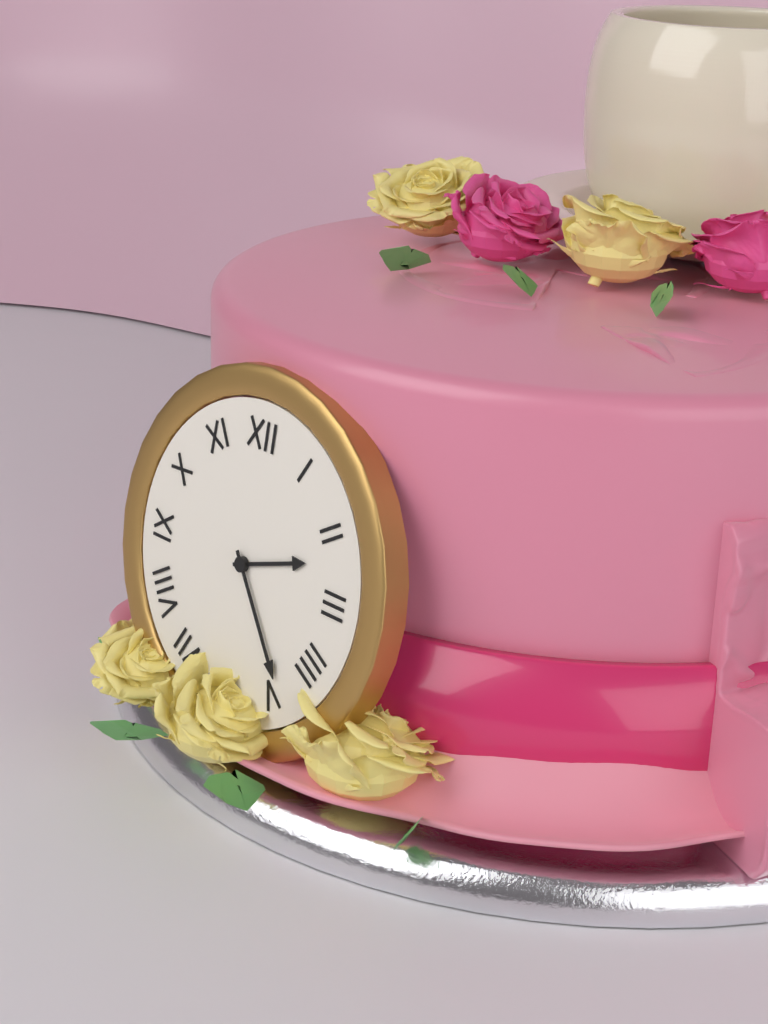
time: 2:24
